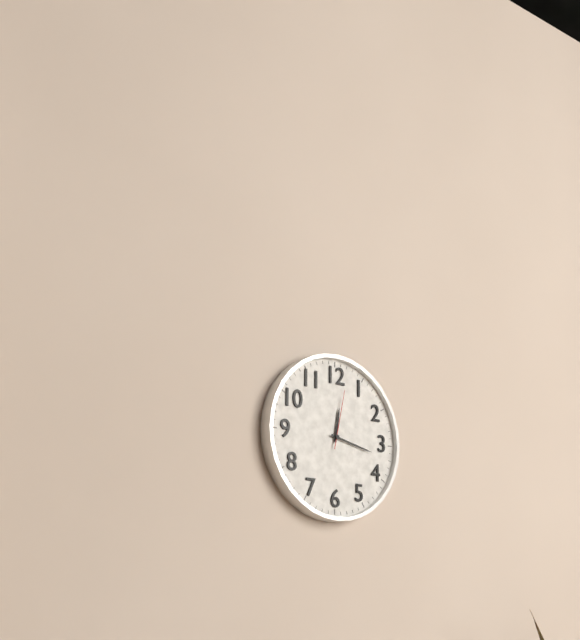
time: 12:17:02
